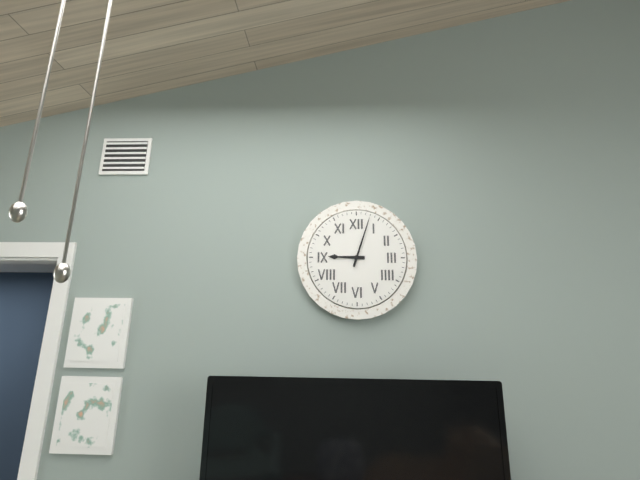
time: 9:03
